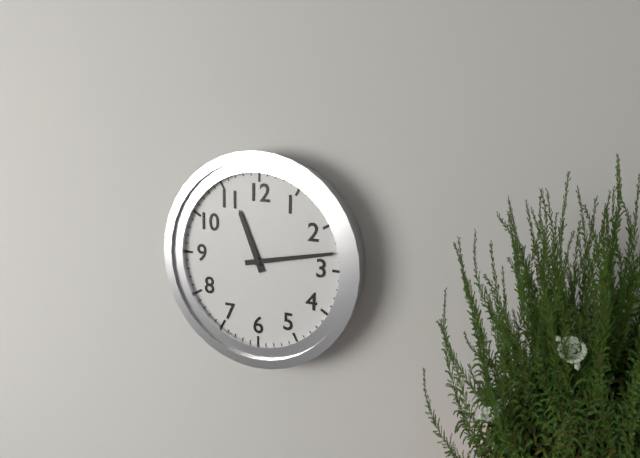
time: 11:13
